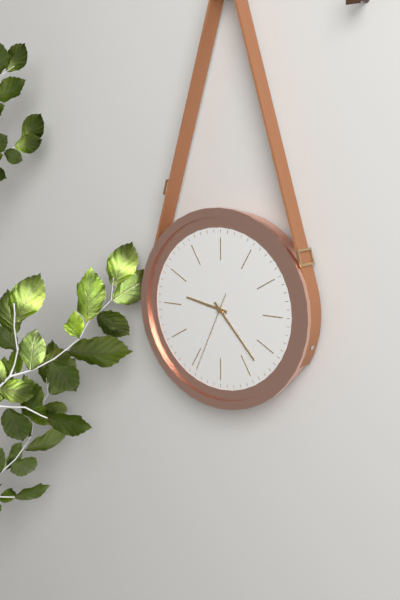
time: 9:23:34
